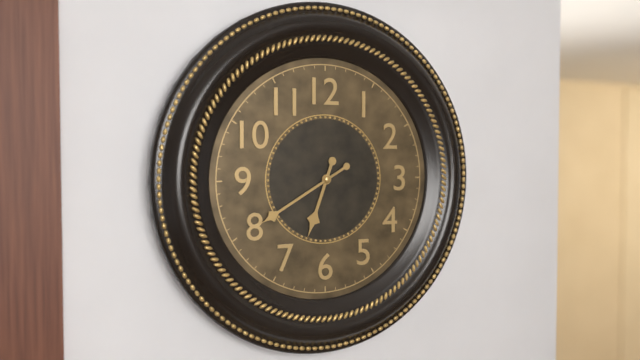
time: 6:40
